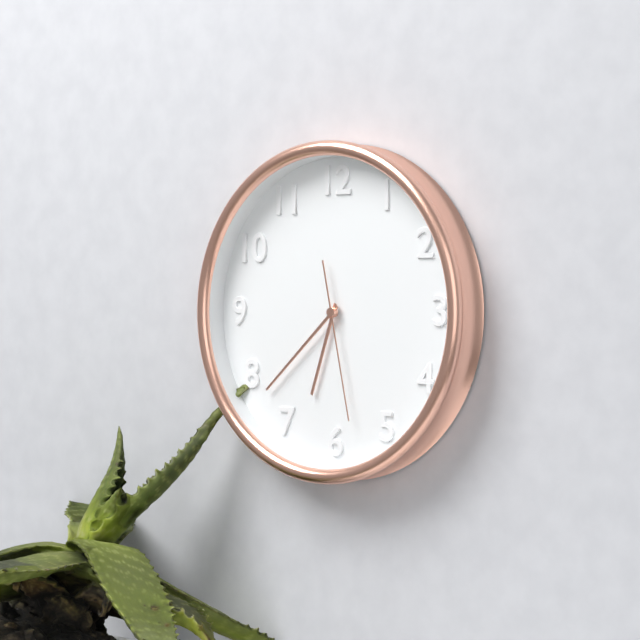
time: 6:38:28
